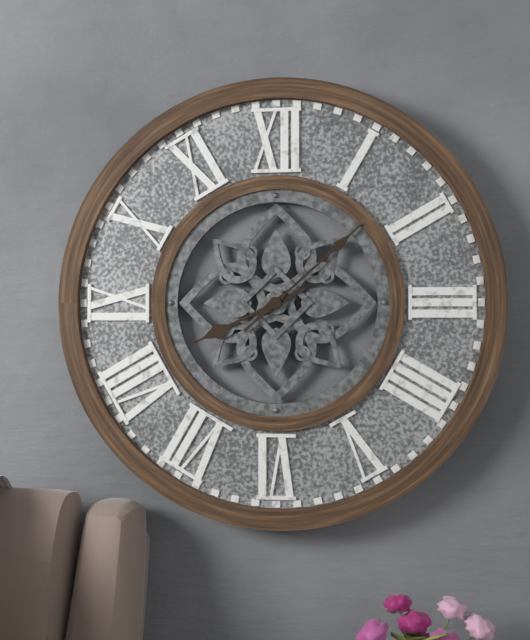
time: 8:08
